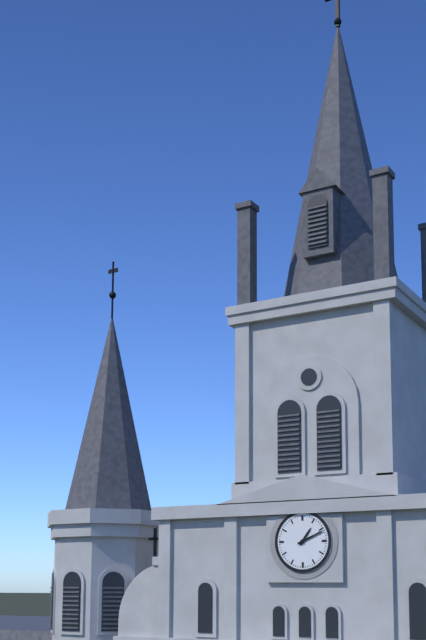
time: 1:11
